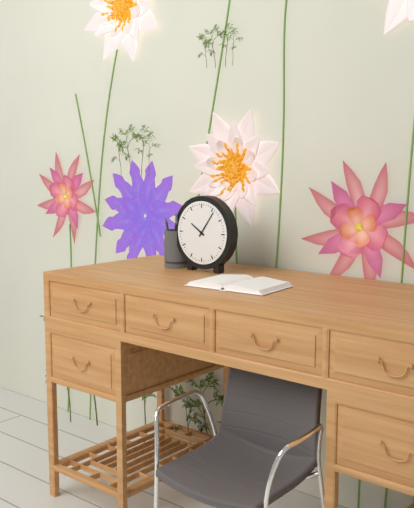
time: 10:06
